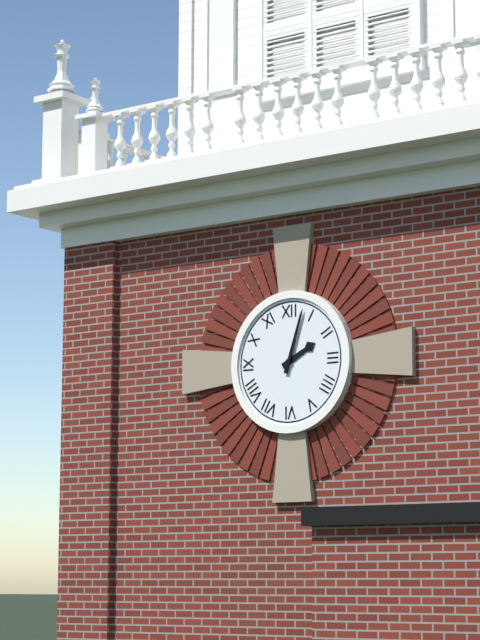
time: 2:03
